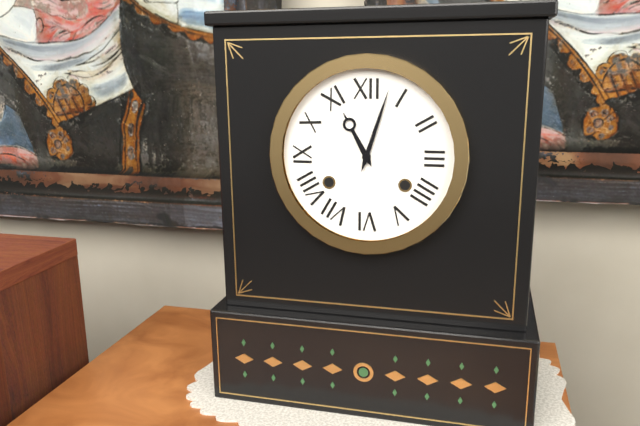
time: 11:03
